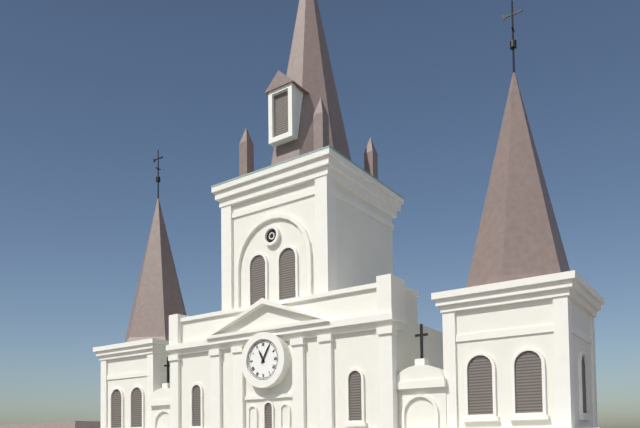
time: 11:05
